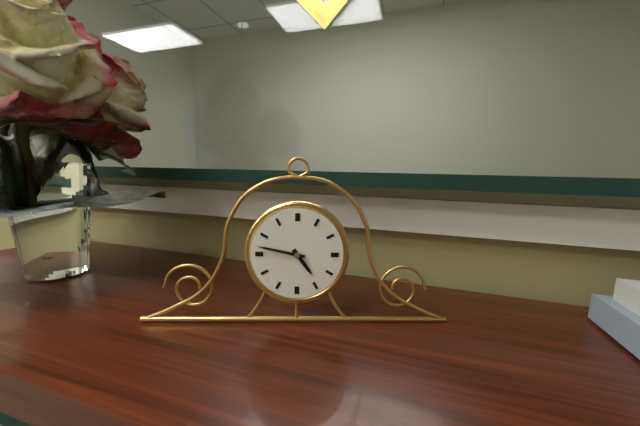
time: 4:47
